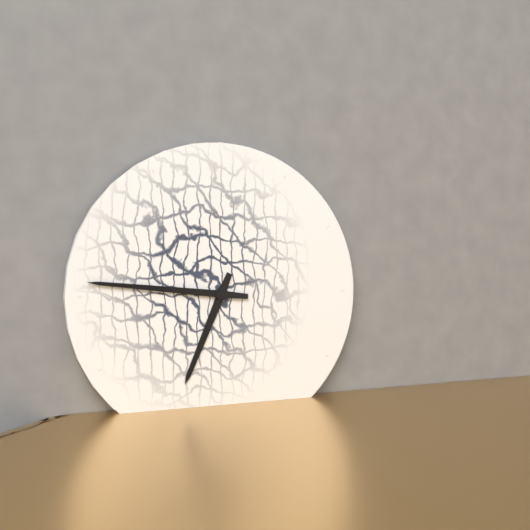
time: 6:46
